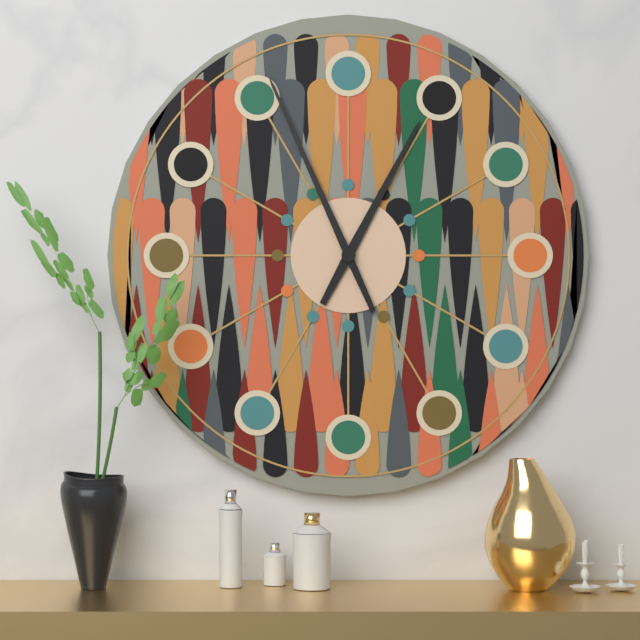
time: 12:56
